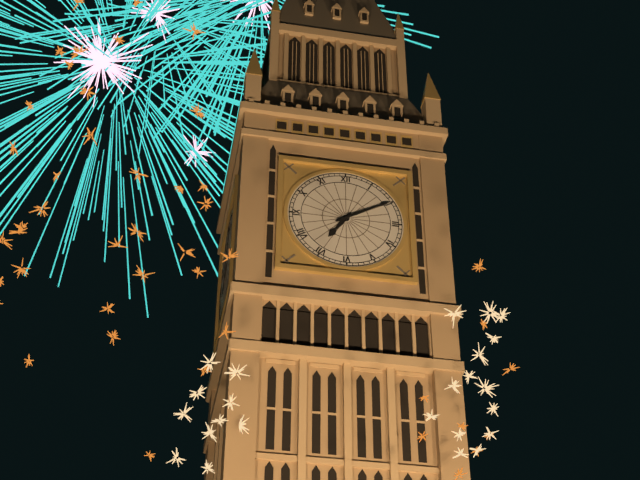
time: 7:10
